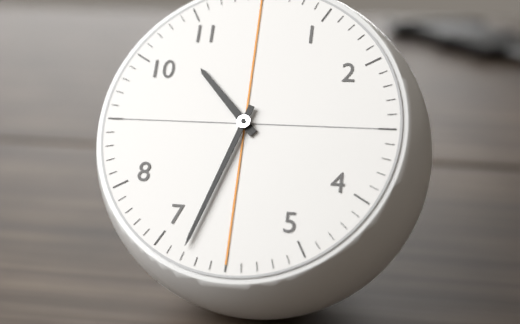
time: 10:33
